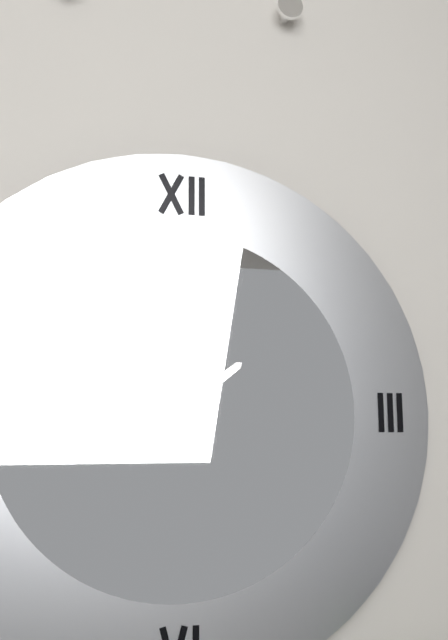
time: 1:43
